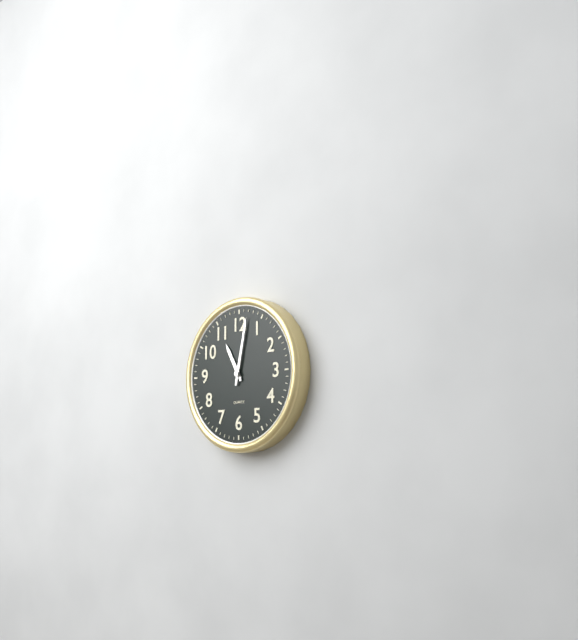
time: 11:02
